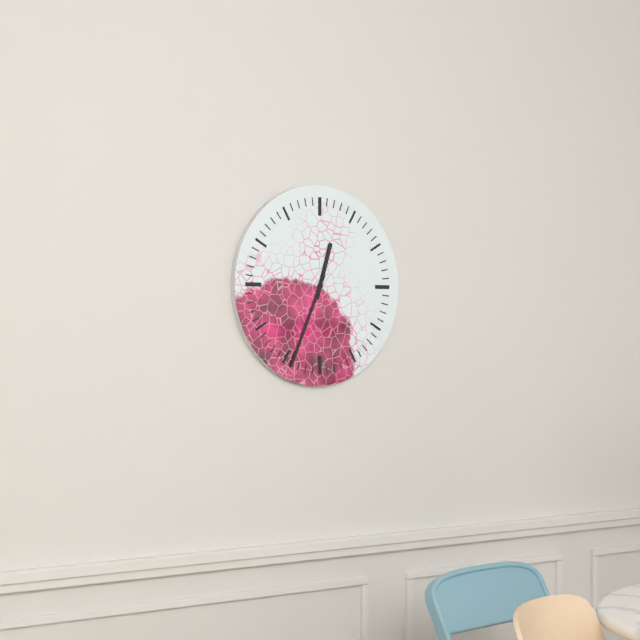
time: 12:34
